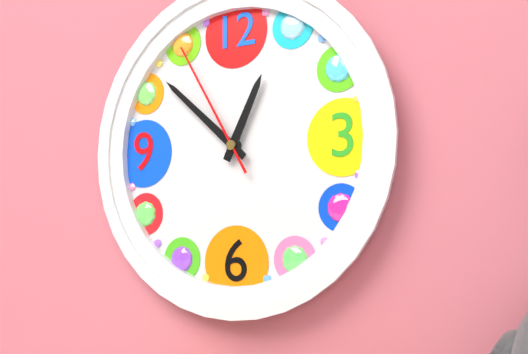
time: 12:52:55
